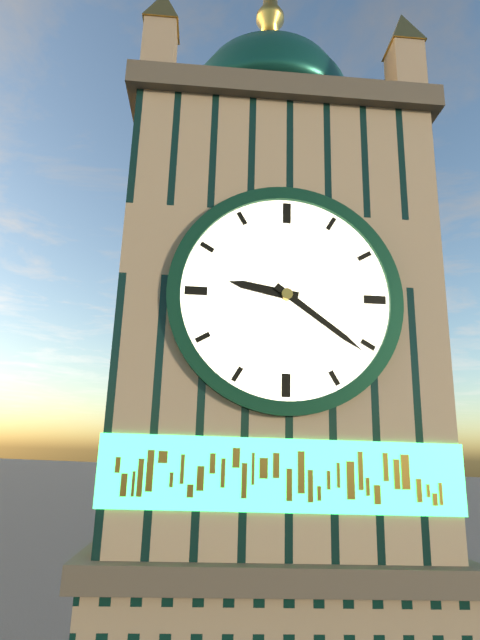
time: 9:21
